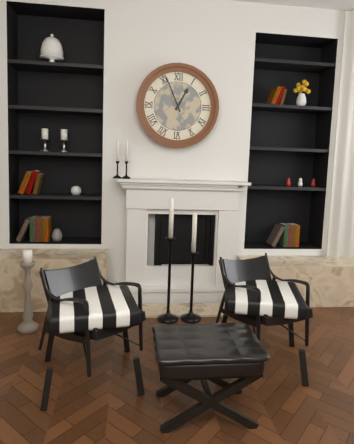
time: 12:56
